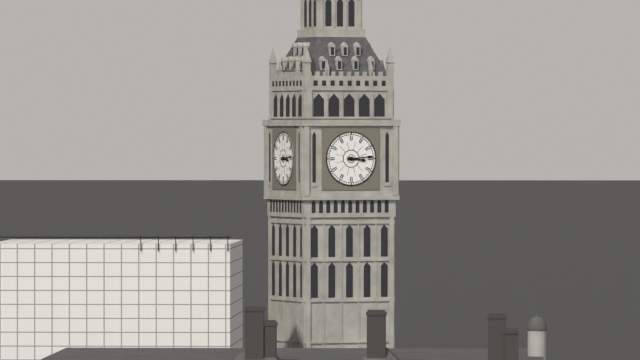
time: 3:14
